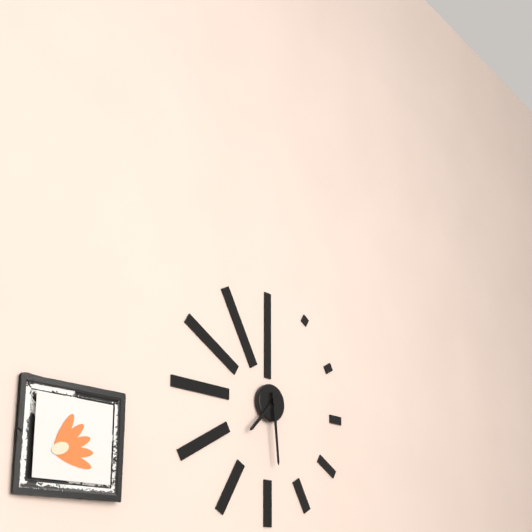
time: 7:29
